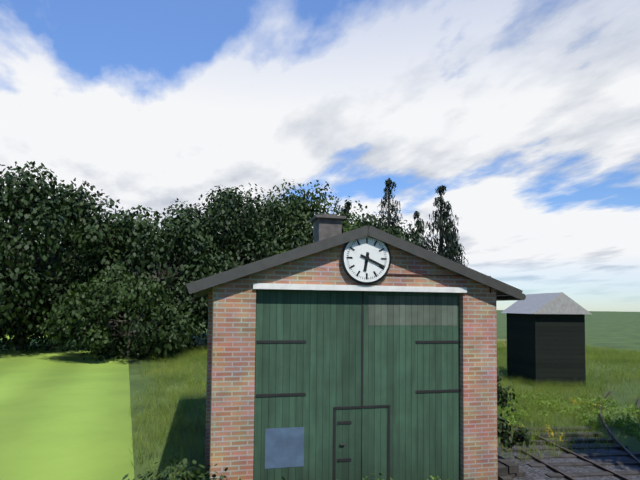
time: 6:19
